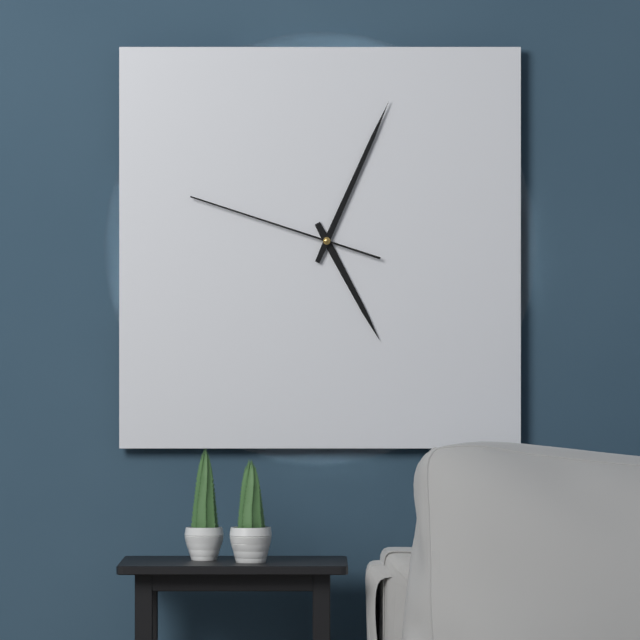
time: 5:04:48
